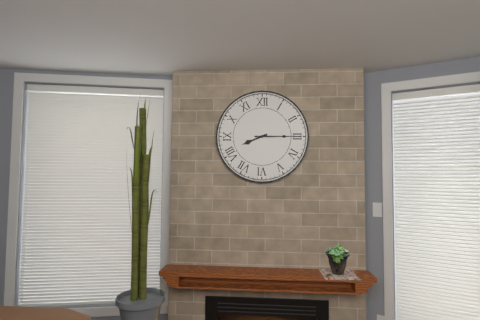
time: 8:15
